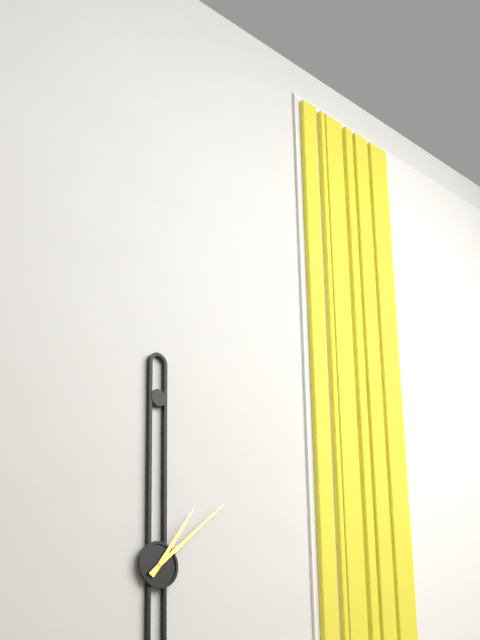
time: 1:08
